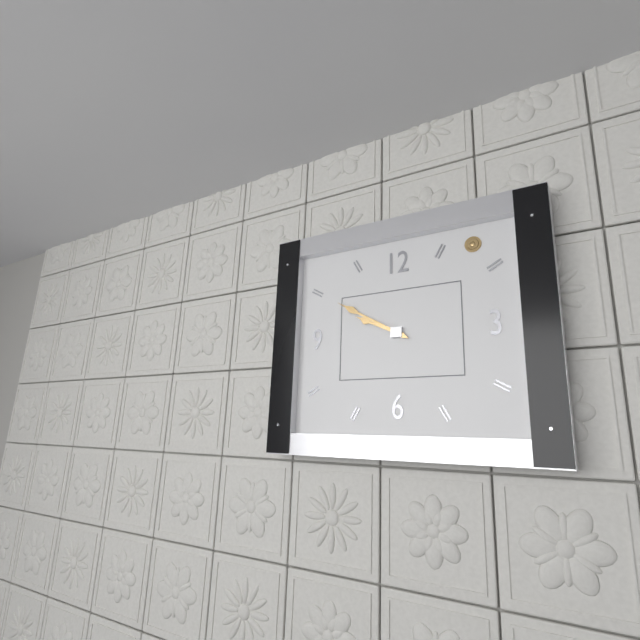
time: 9:50
